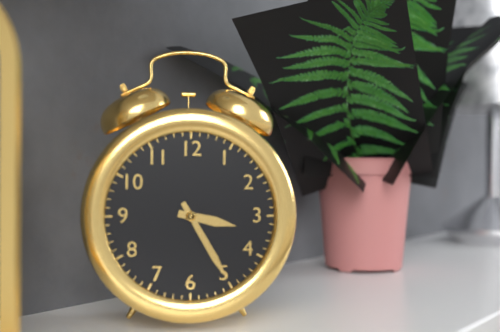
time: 3:25
